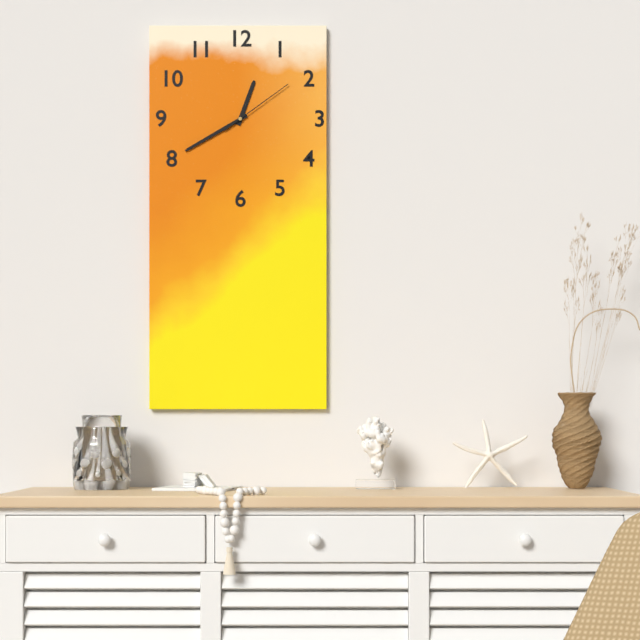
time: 12:40:09
